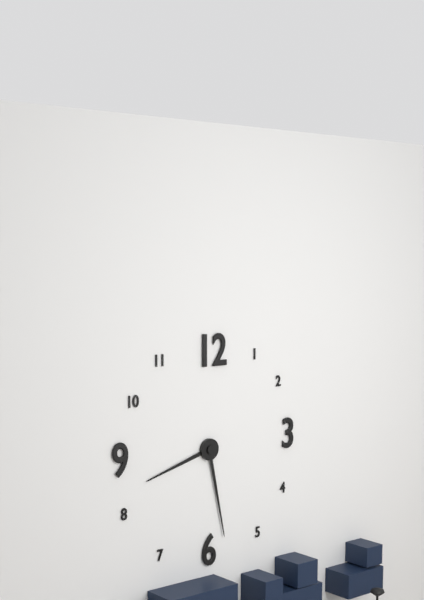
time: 8:28
